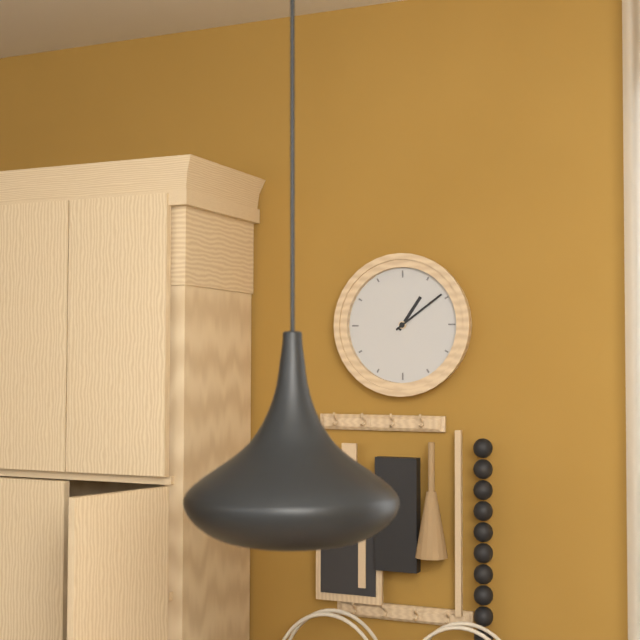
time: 1:09
